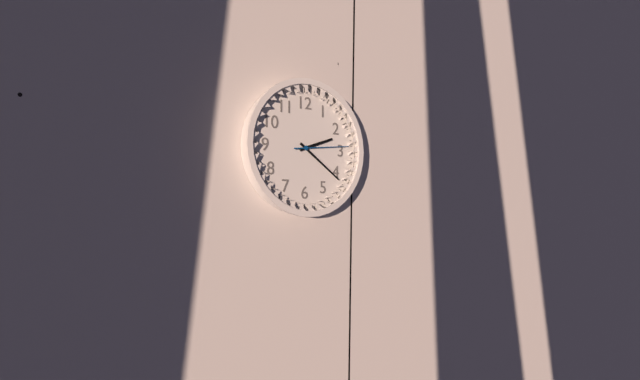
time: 2:21:14
